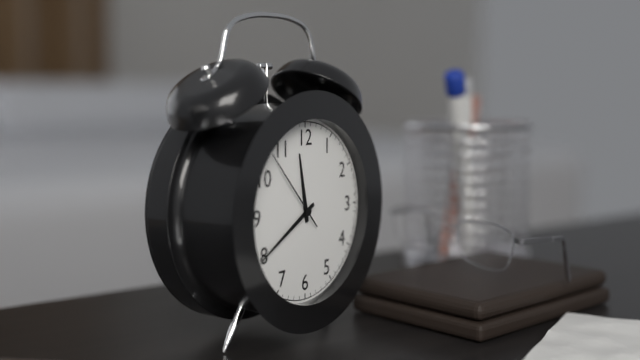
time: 11:40:53
